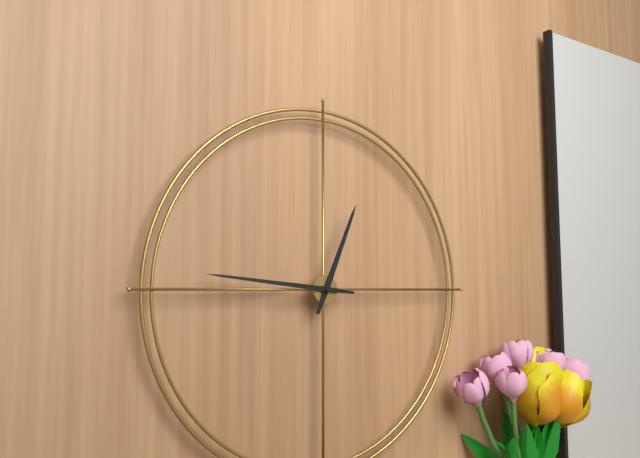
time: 12:46
